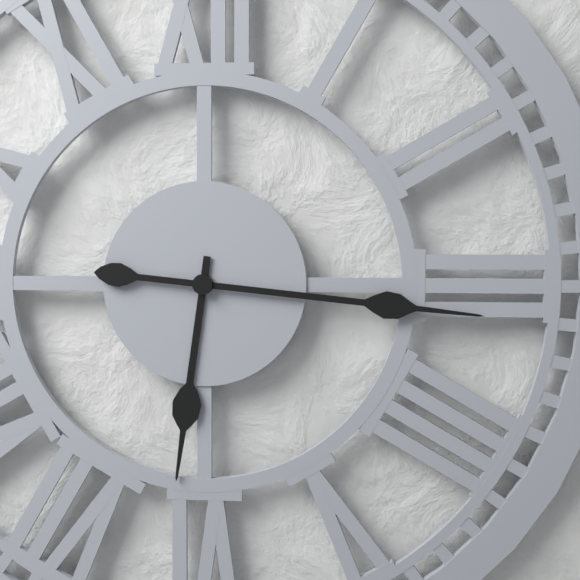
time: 6:16
